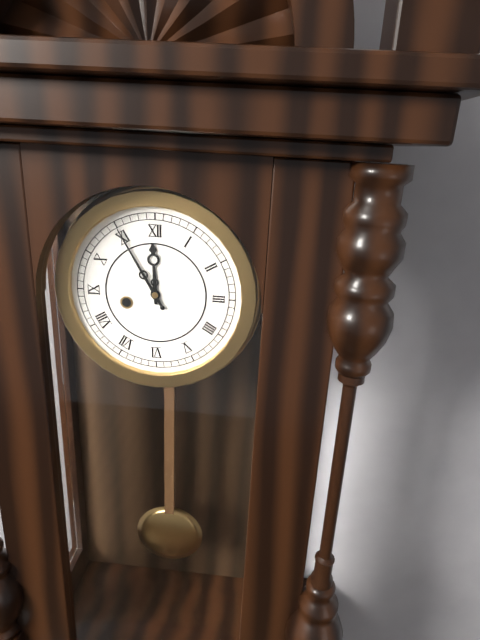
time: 11:55
